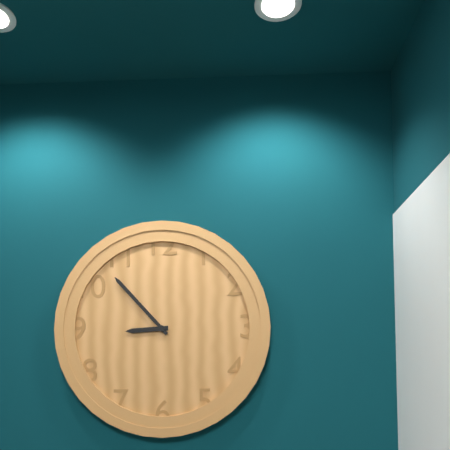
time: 8:53
